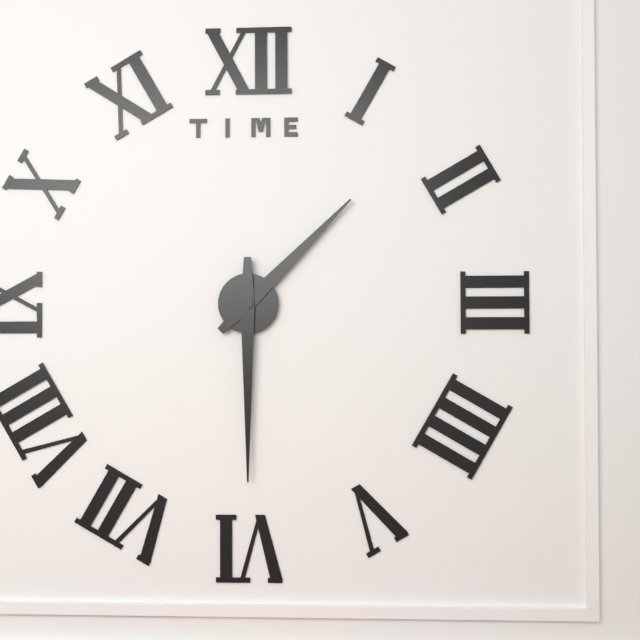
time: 1:30
